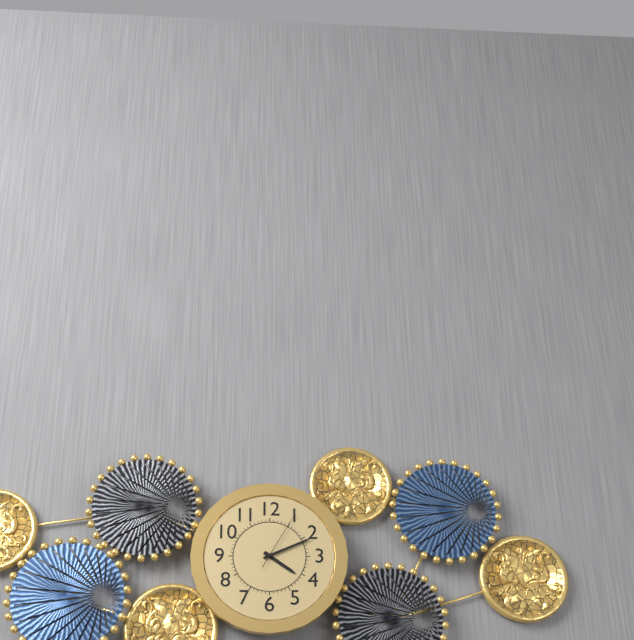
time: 4:11:05
